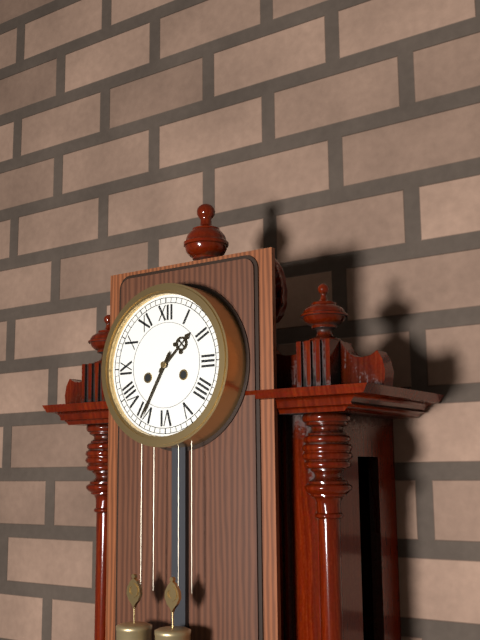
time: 1:35
